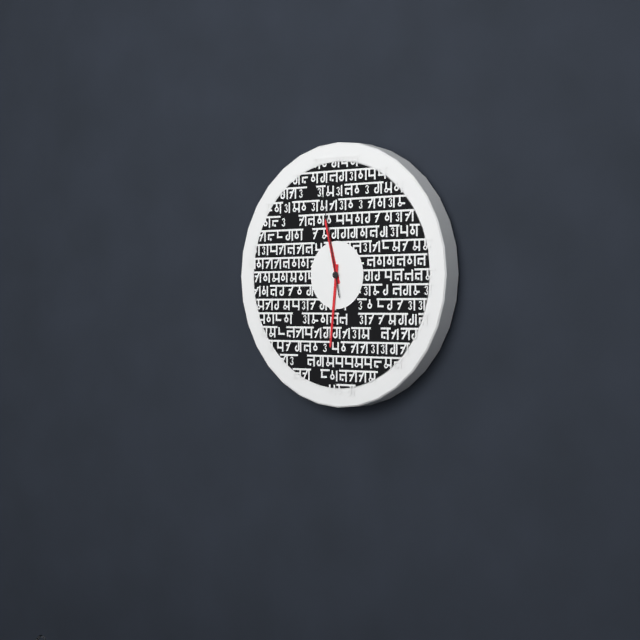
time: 11:31:58
